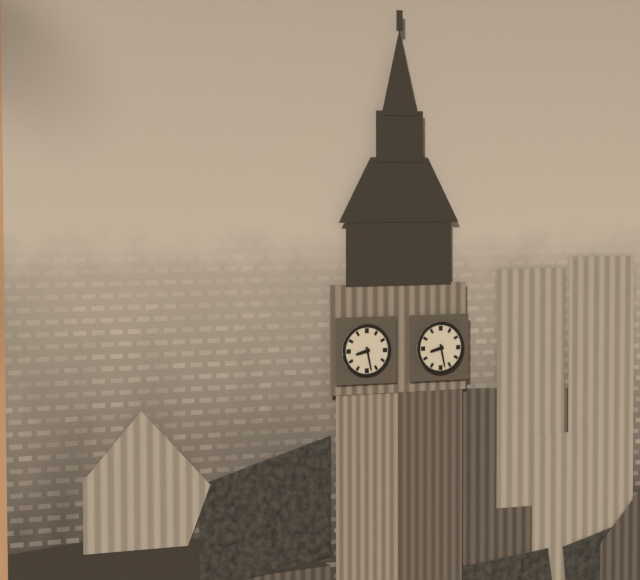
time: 8:28
